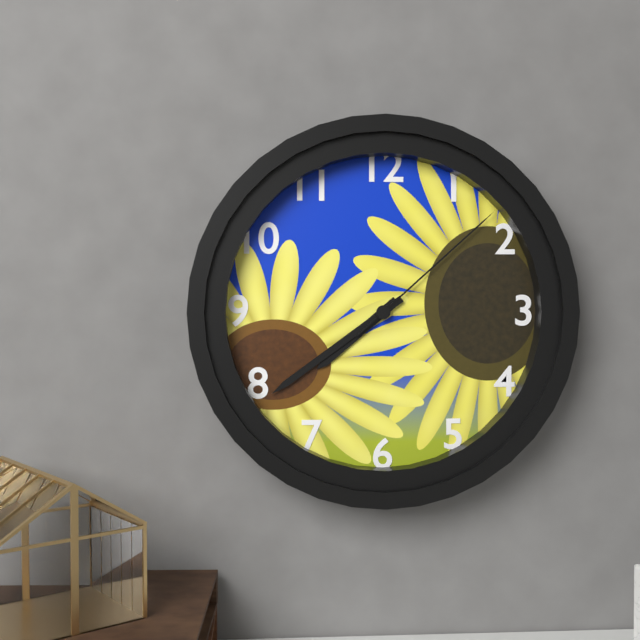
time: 7:39:08
